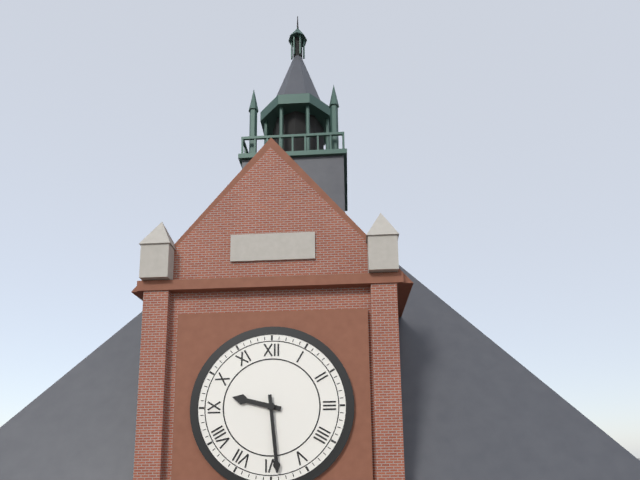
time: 9:29
